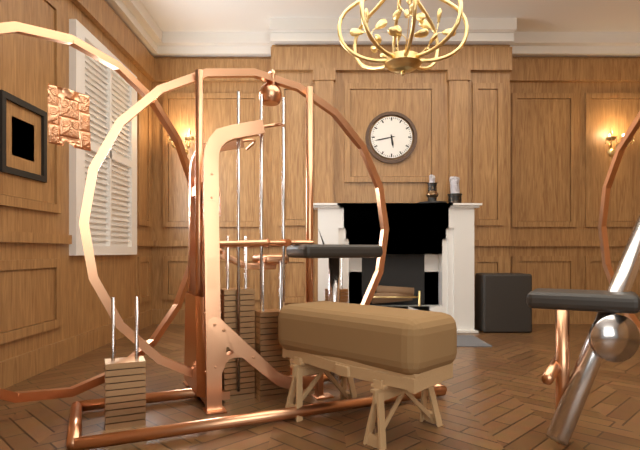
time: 5:43
